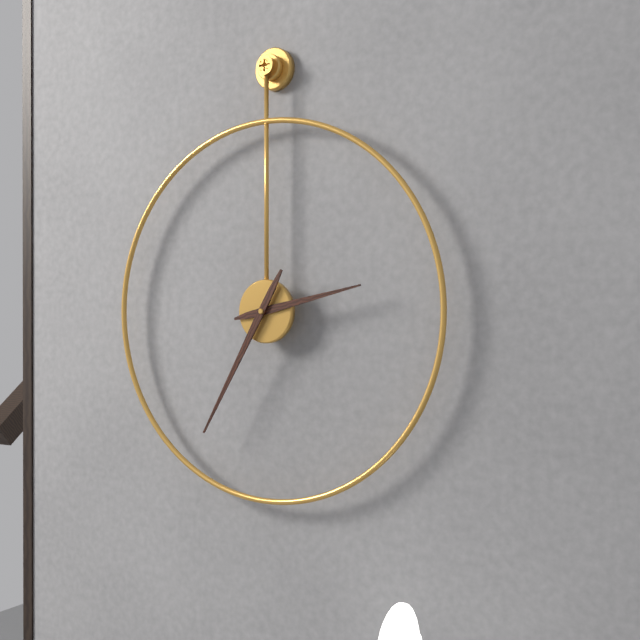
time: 2:35
